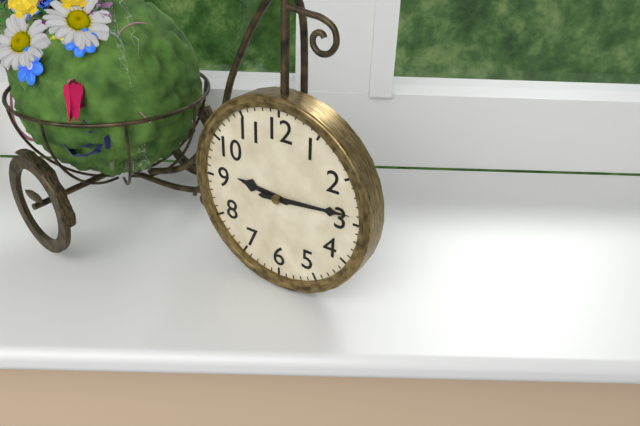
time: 9:14
